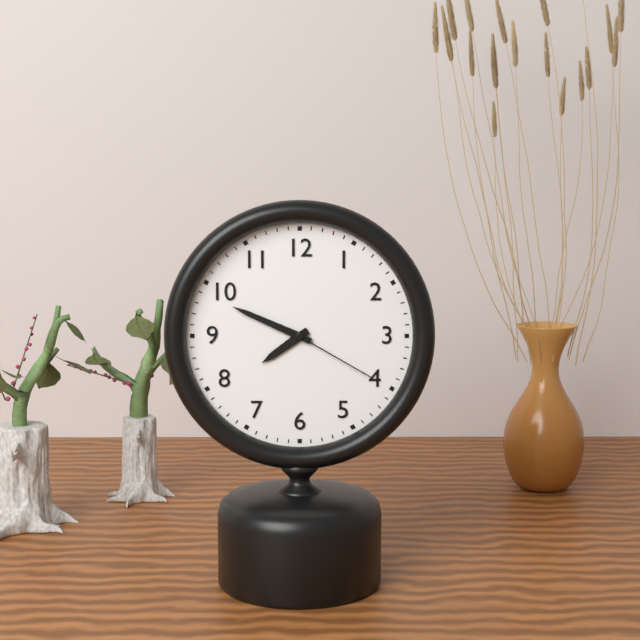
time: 7:49:20
